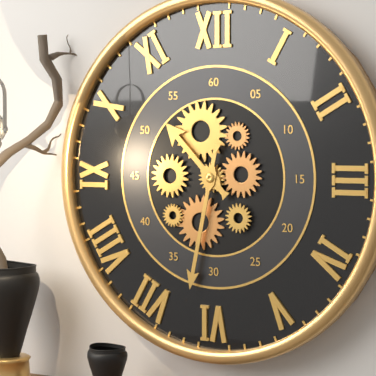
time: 10:32
